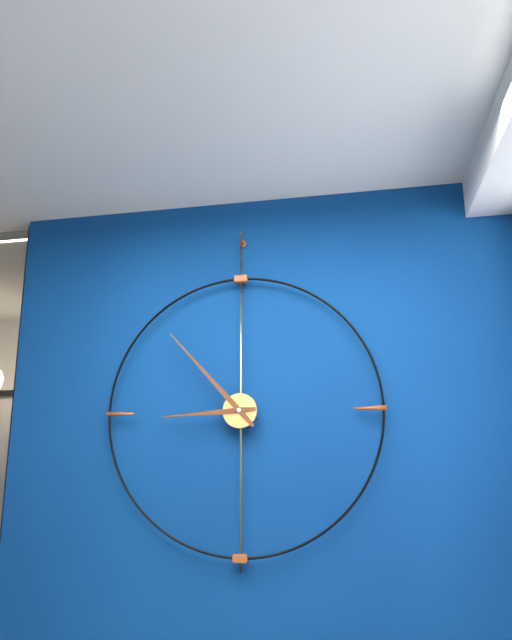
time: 8:53
